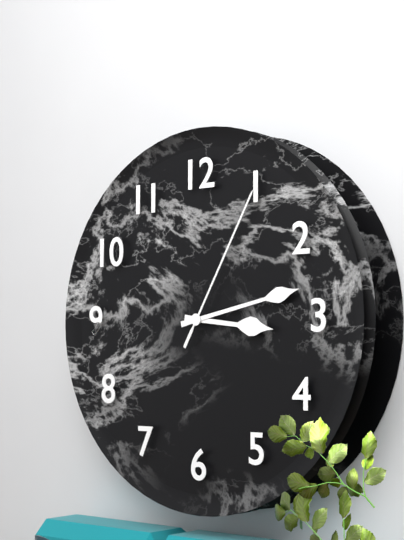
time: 3:13:05
